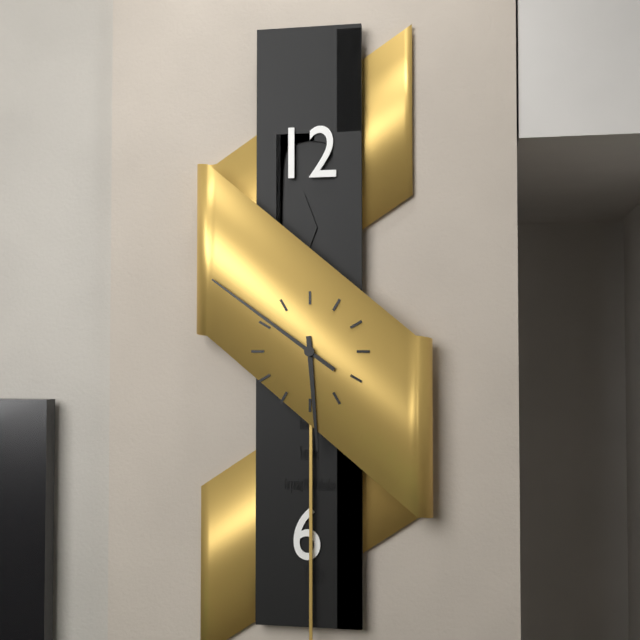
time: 5:51
